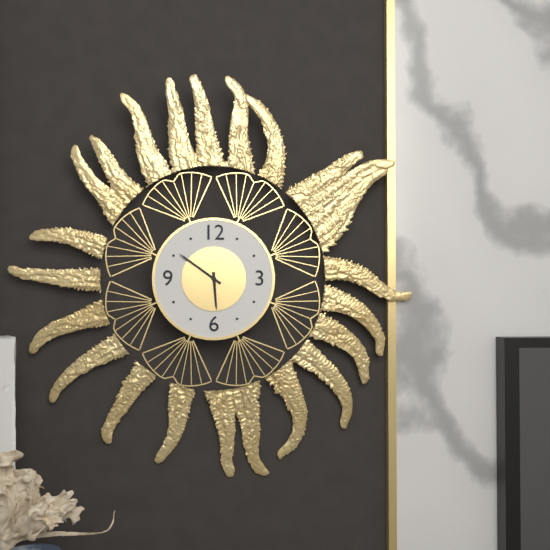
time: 5:51
